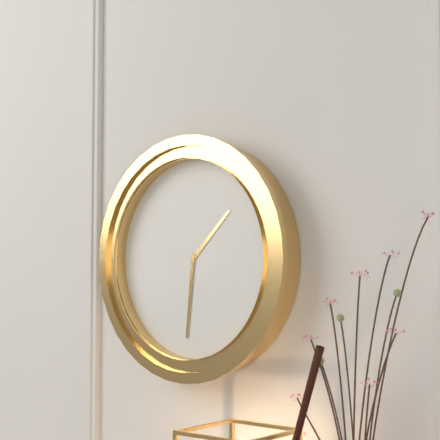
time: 1:31
